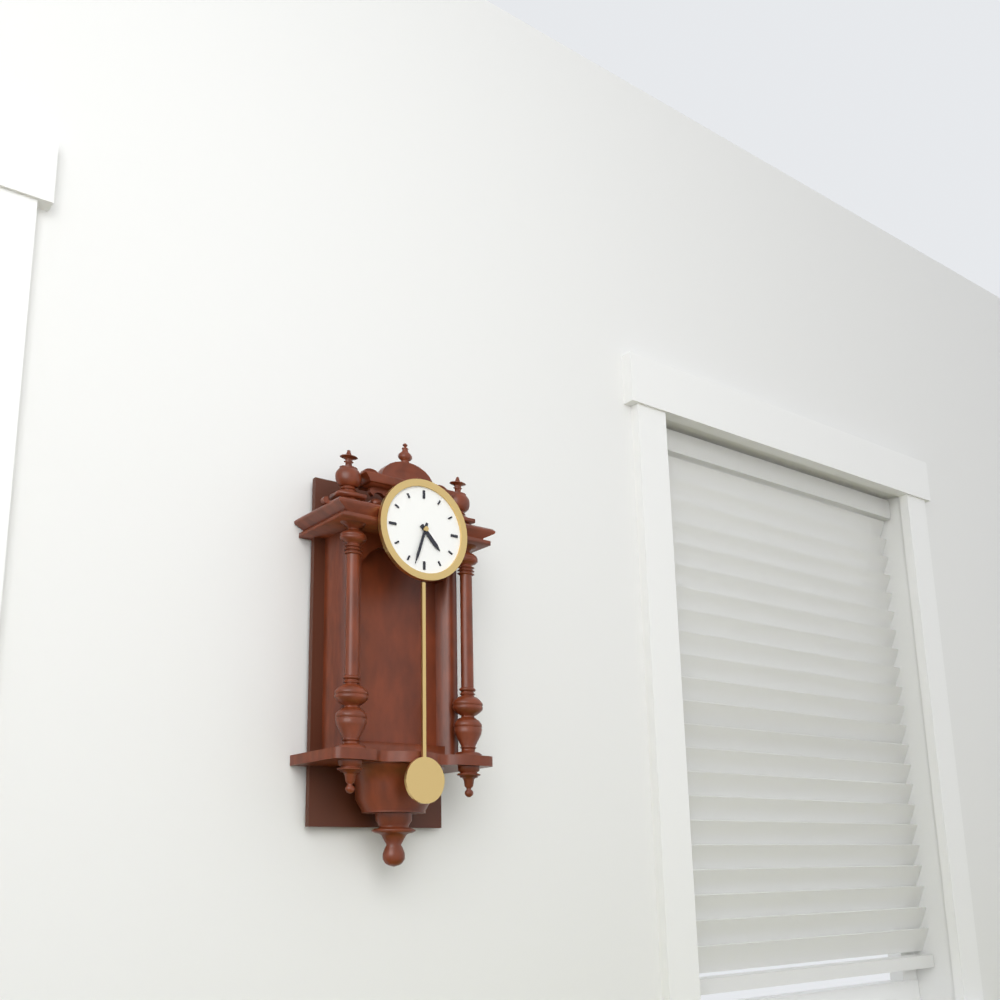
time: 4:33
